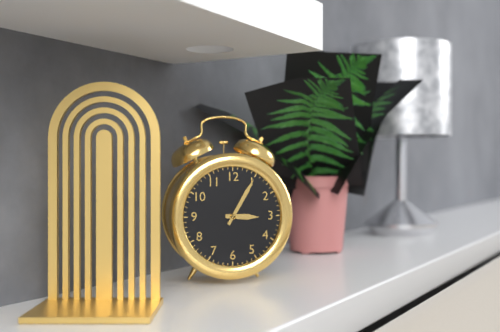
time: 3:05
